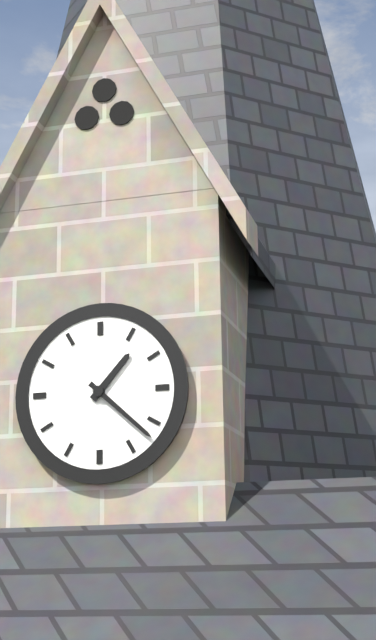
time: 1:22
